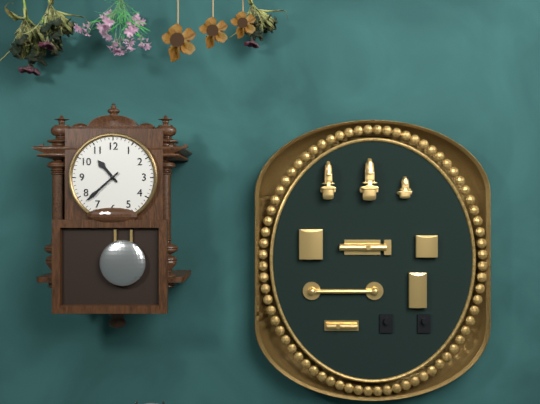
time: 10:38
